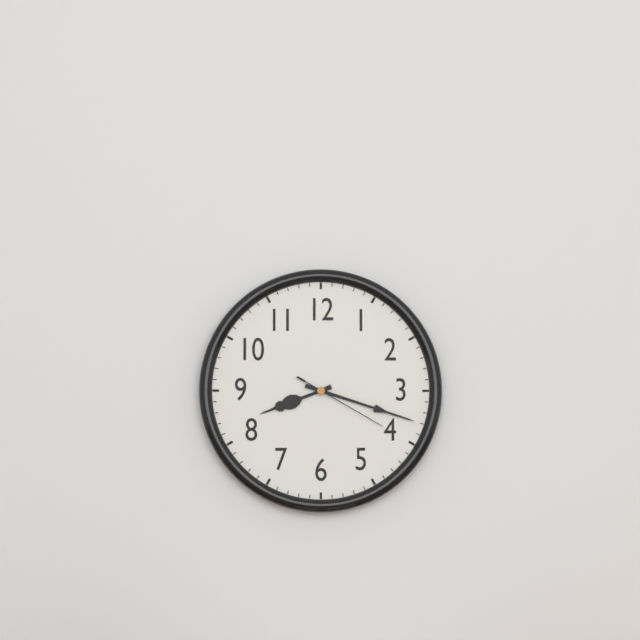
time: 8:18:20
